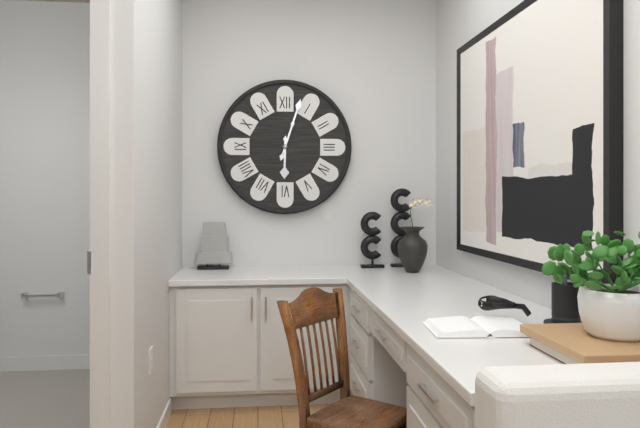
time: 6:03
